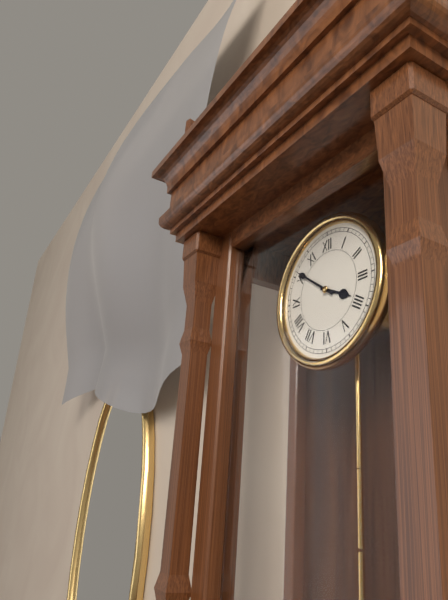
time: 3:51
